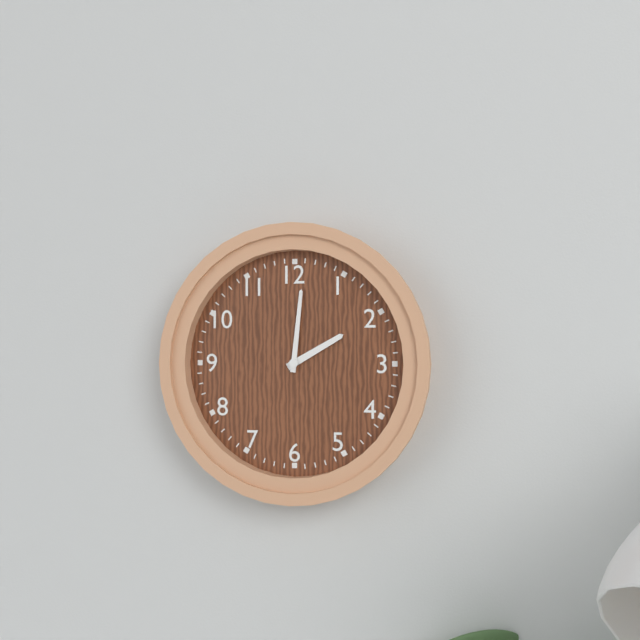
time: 2:01
